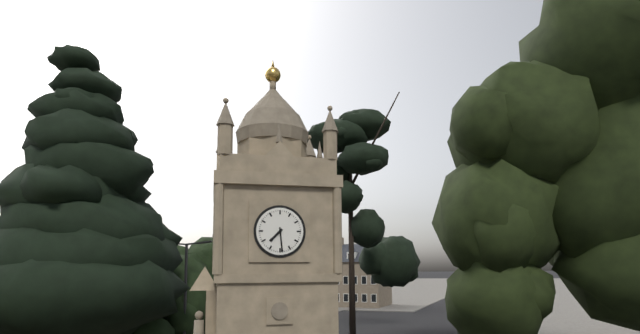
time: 7:29
